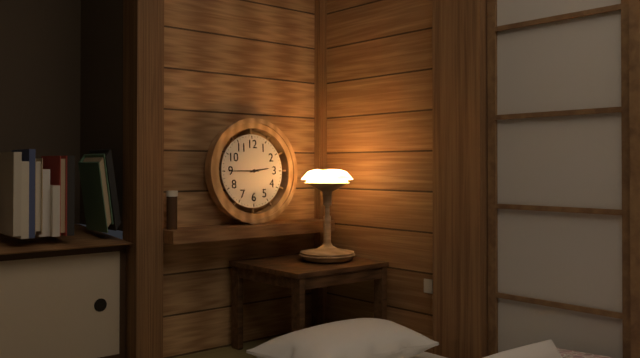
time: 2:45
